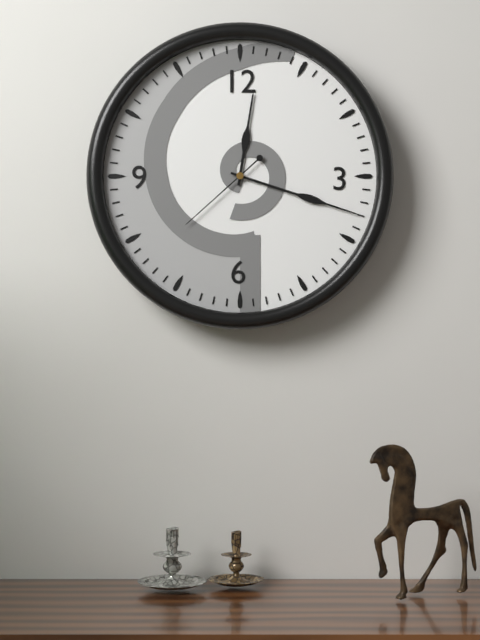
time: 12:18:38
